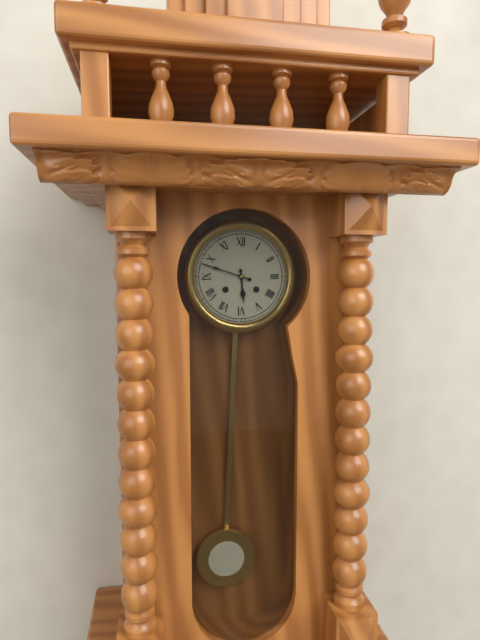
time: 5:48
